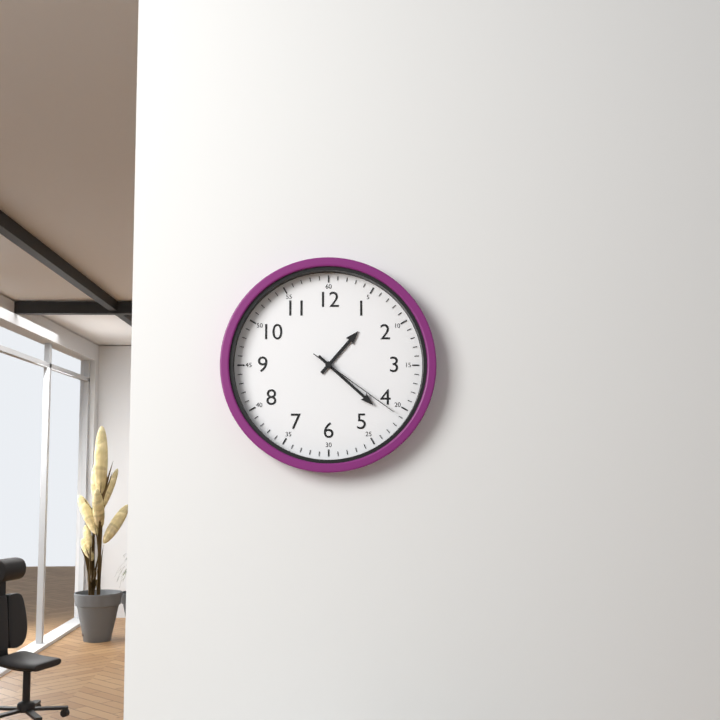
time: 1:22:21
